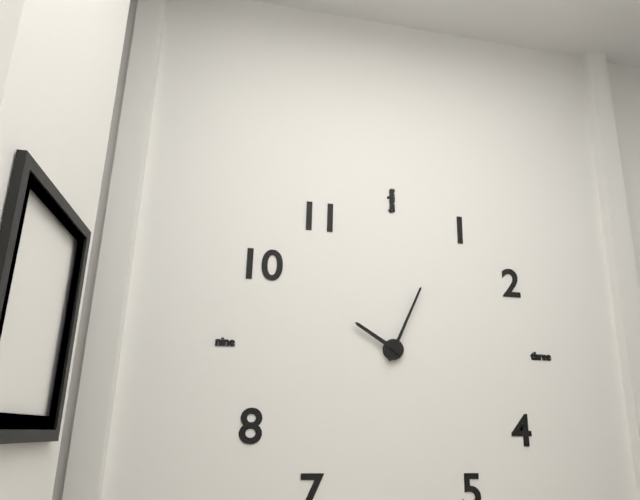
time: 10:04
